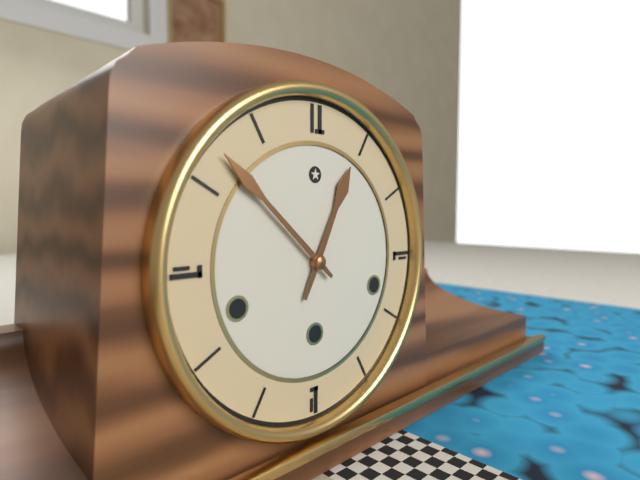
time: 12:52
